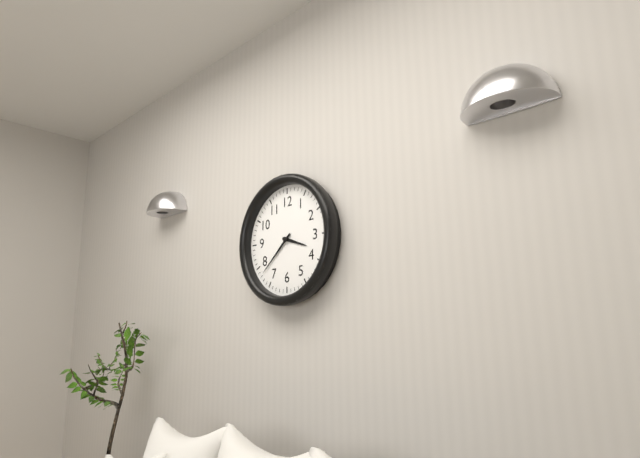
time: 3:38
